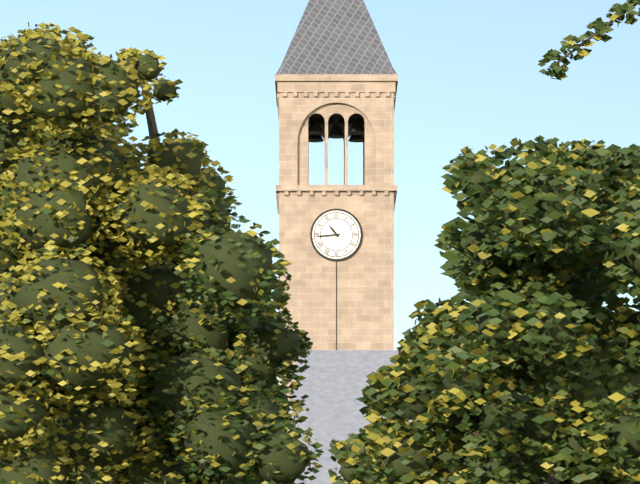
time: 10:44
